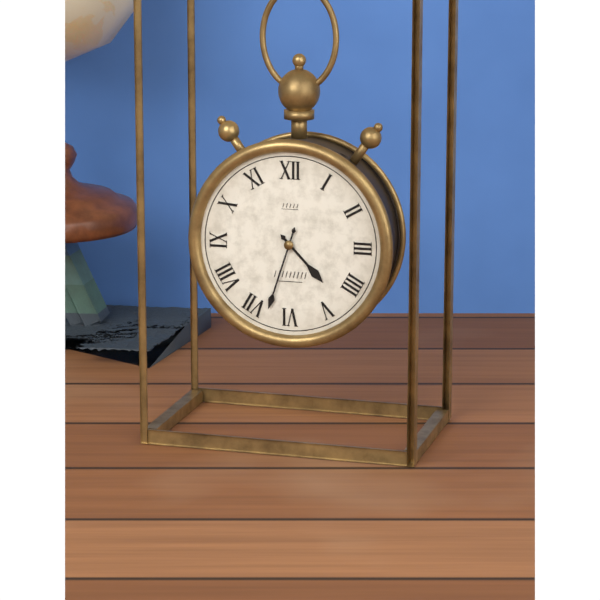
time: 4:33
